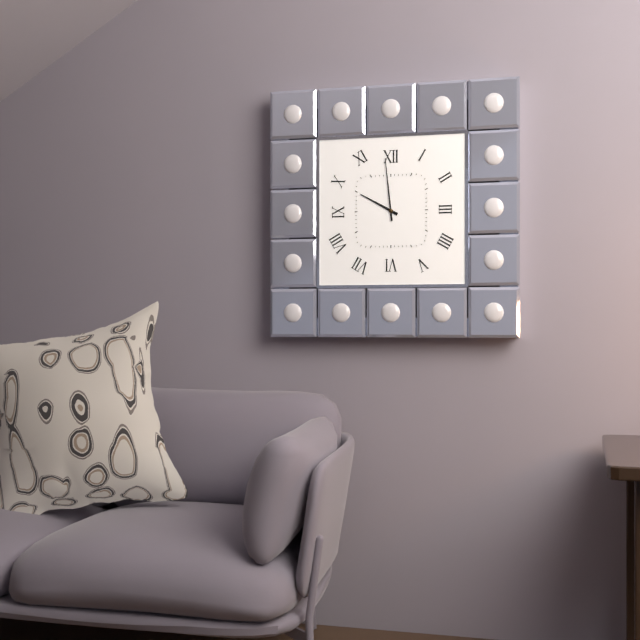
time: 9:59
